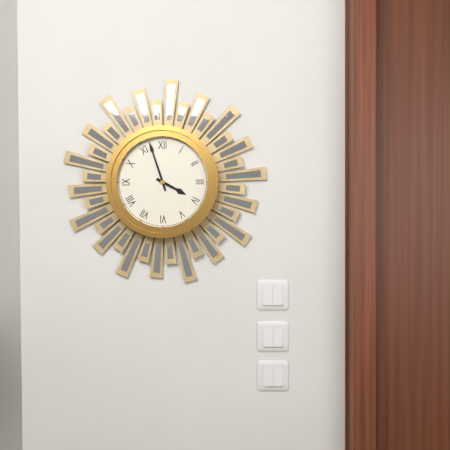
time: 3:57
